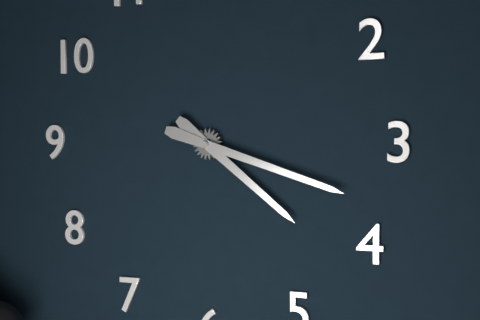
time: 4:18
